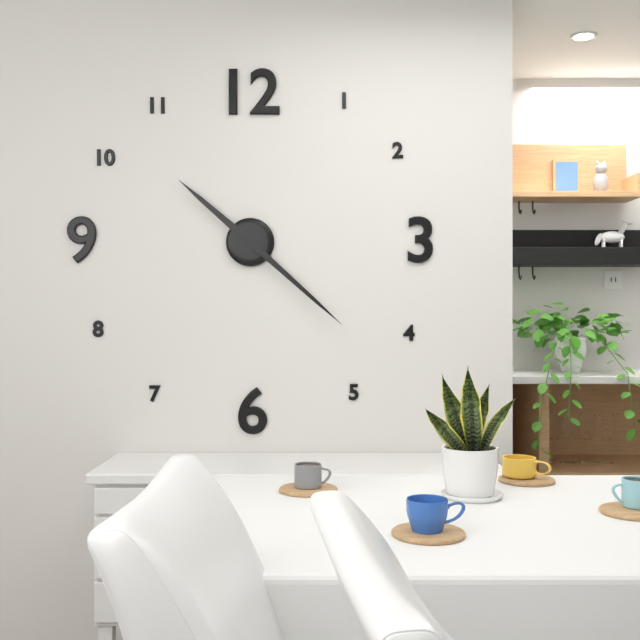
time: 10:22
